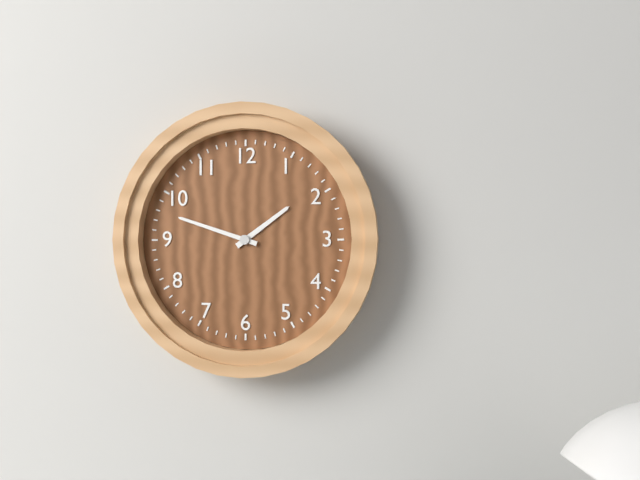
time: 1:48
